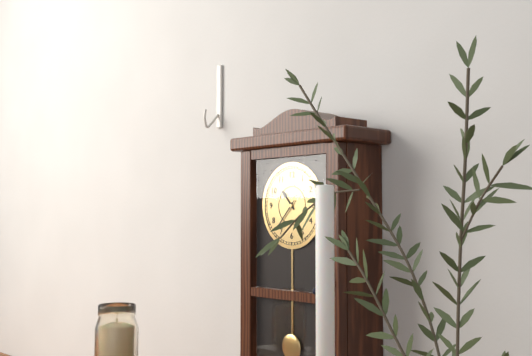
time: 10:37
